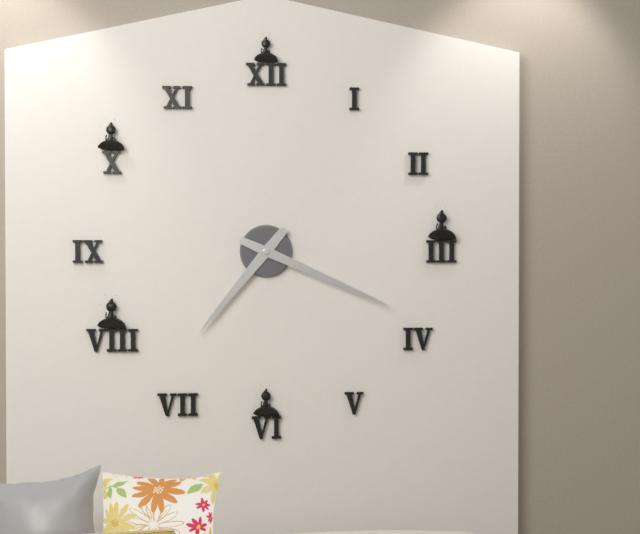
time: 7:19
